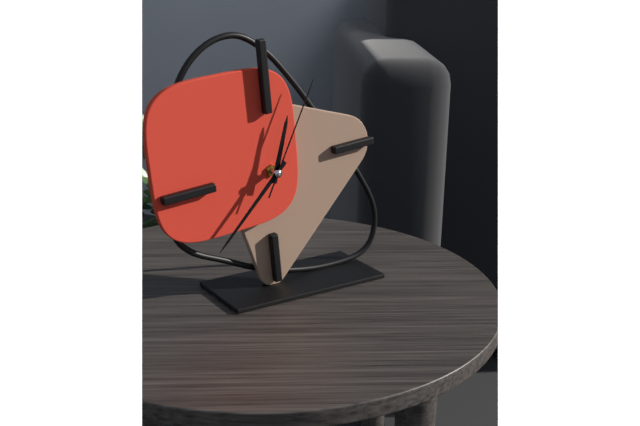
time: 12:38:05
